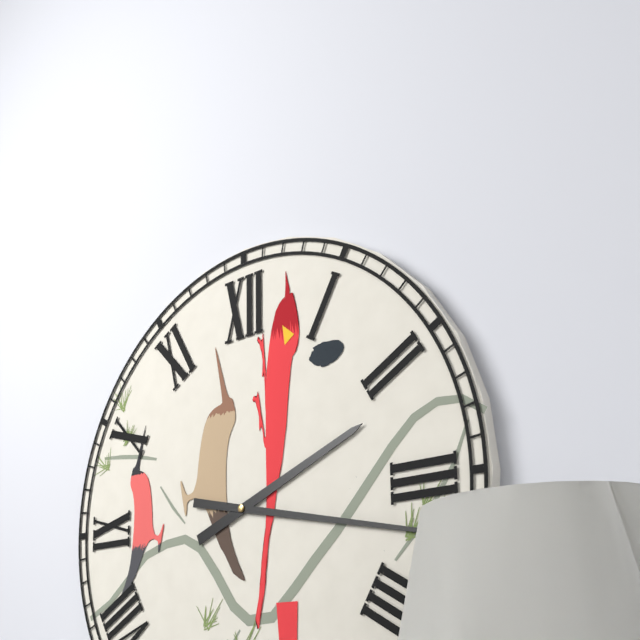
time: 2:17
